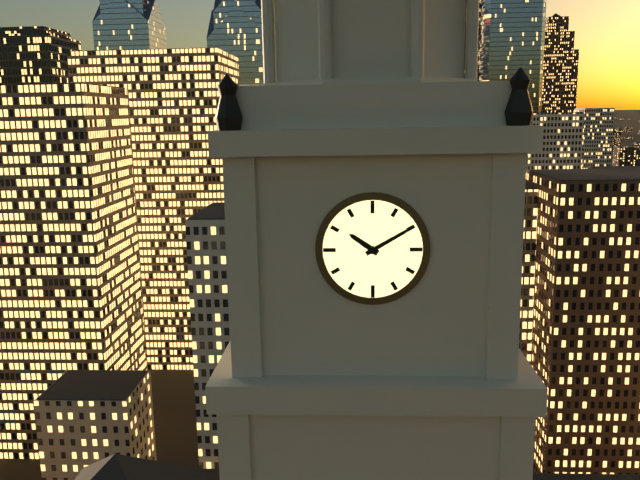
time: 10:10
